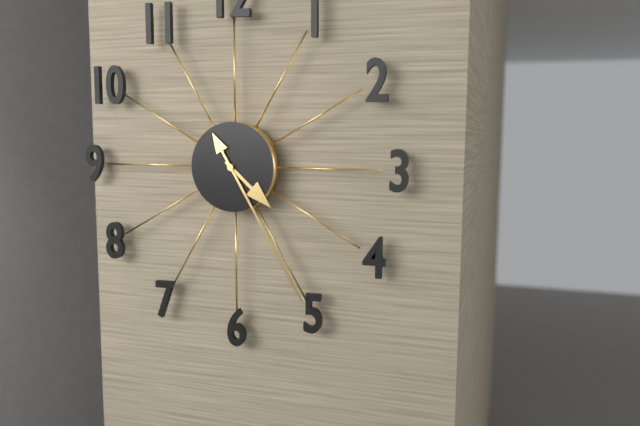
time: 4:25
